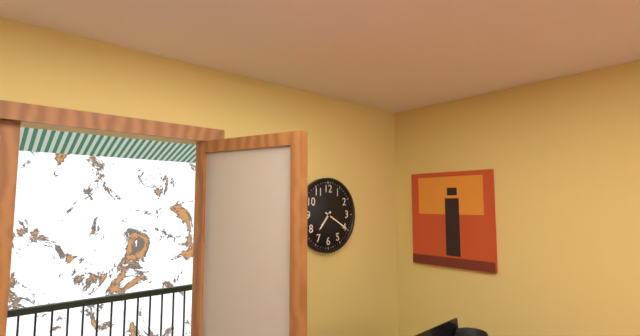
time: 7:20
